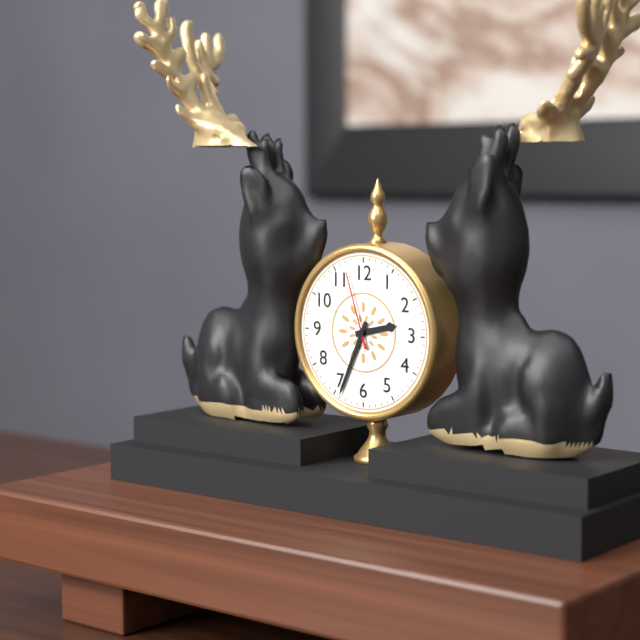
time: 2:34:57
